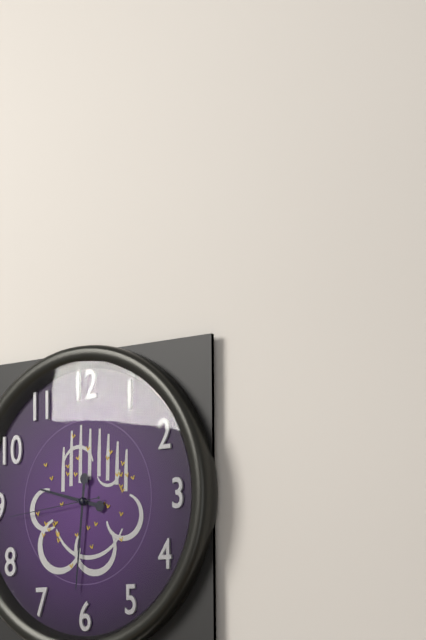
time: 9:31:44
